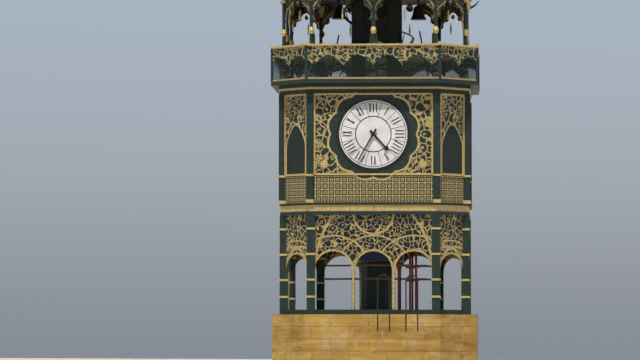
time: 4:35
